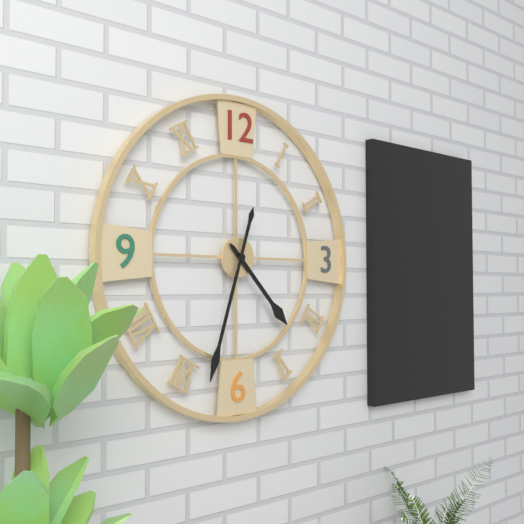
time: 4:33
